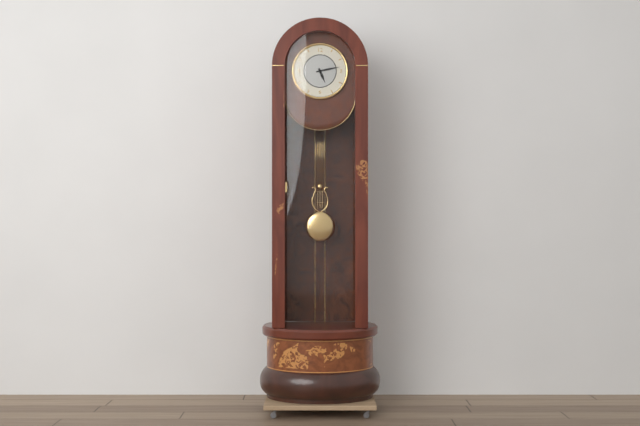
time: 5:13
